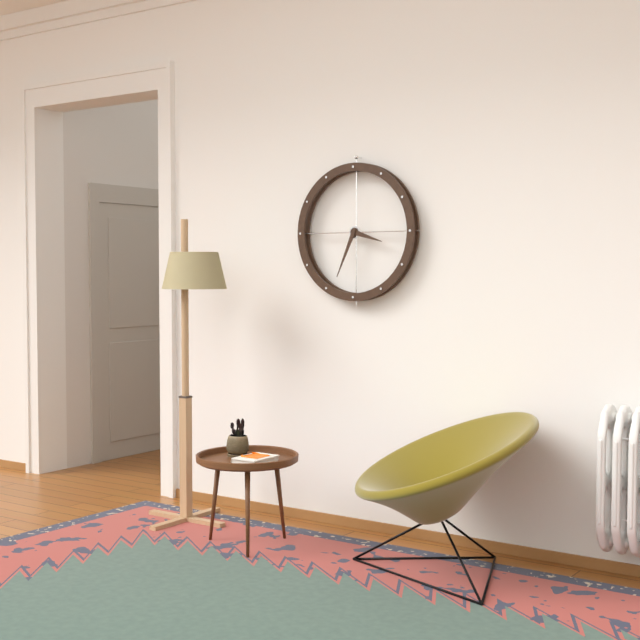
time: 3:34
